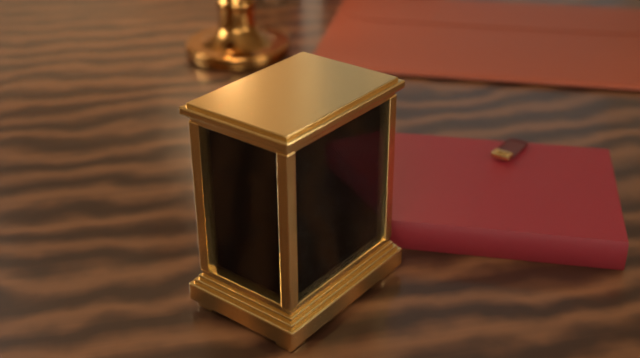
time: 10:25
